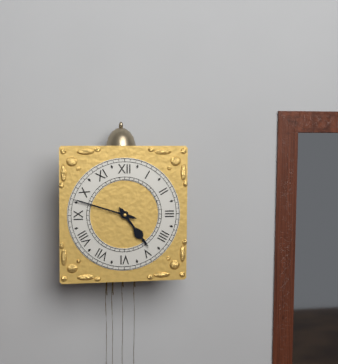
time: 4:48
